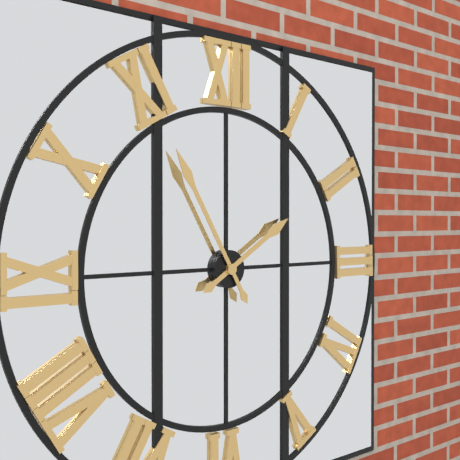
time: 1:55
